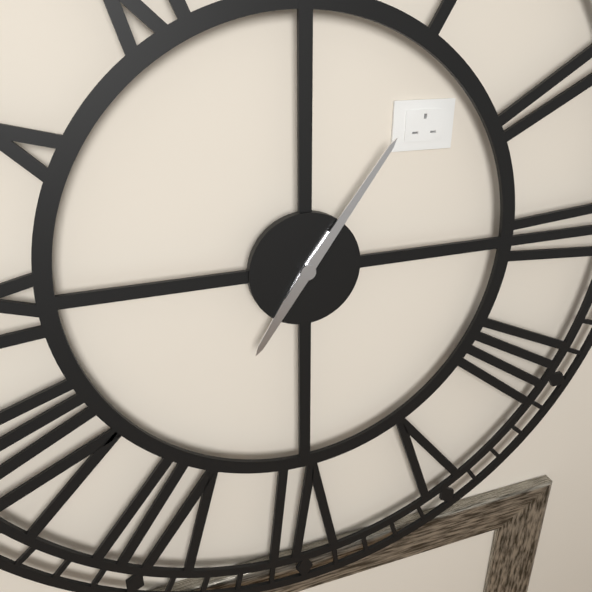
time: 7:06
